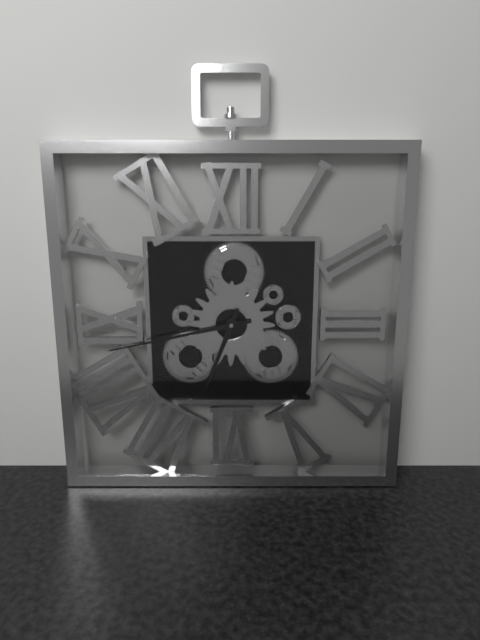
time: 6:43
